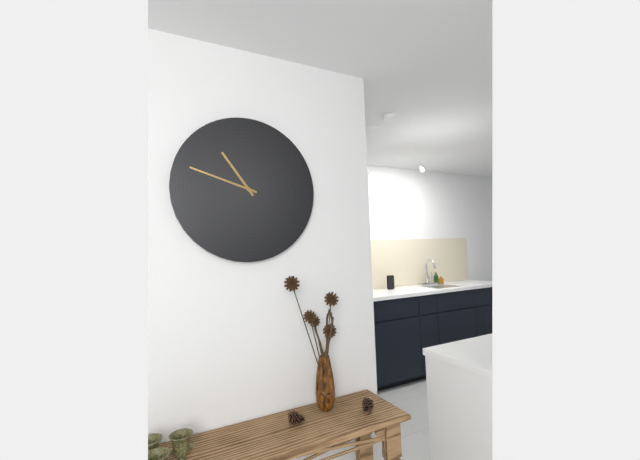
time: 10:48
